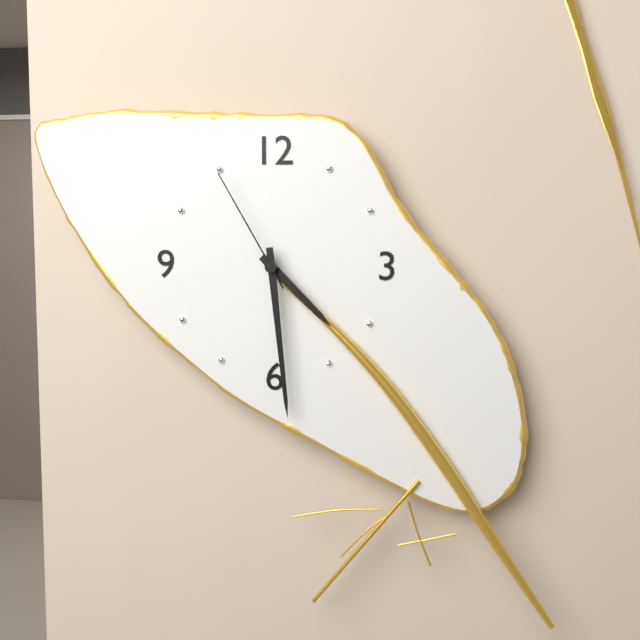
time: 4:29:55
